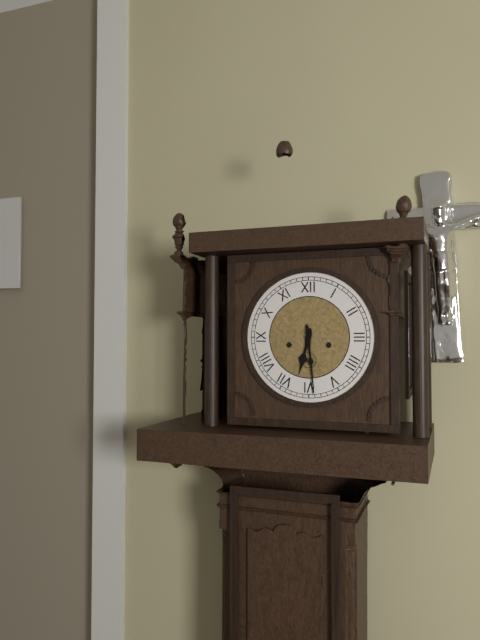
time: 6:29
